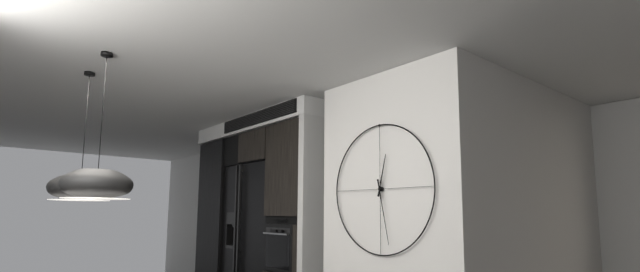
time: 12:28
